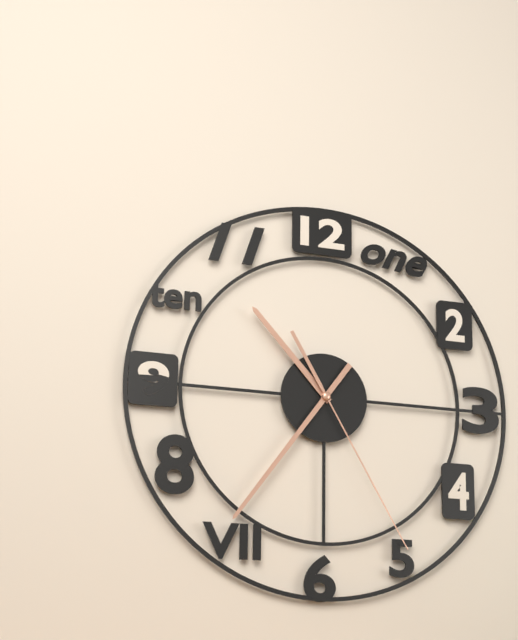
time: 10:36:25
